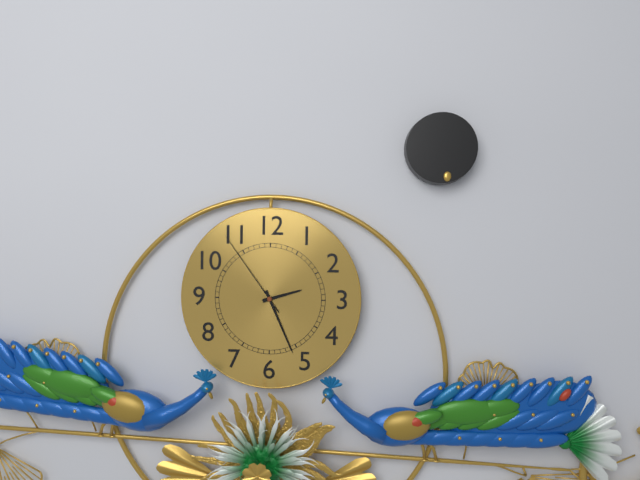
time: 2:26:54
